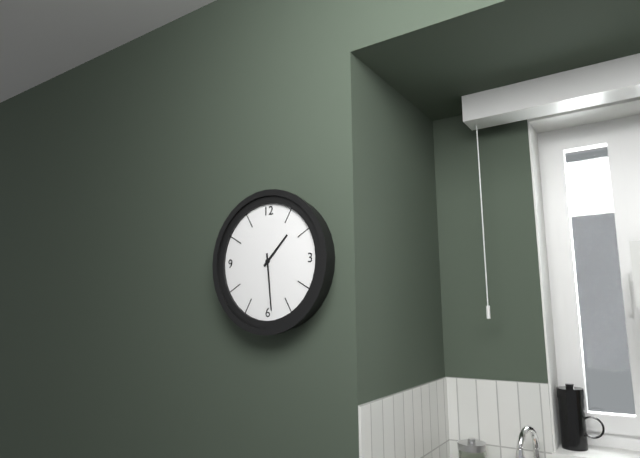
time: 1:29
